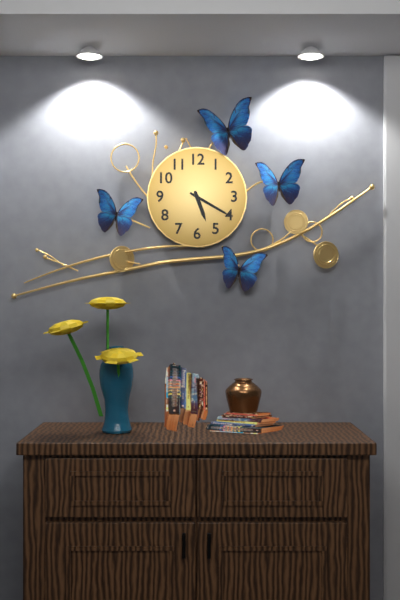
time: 5:20
